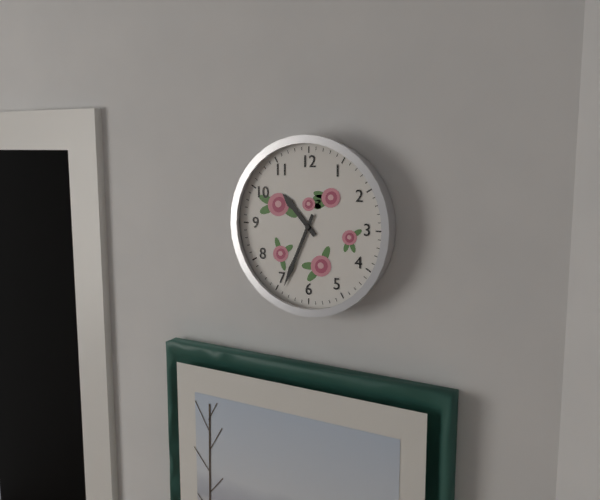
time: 10:34
